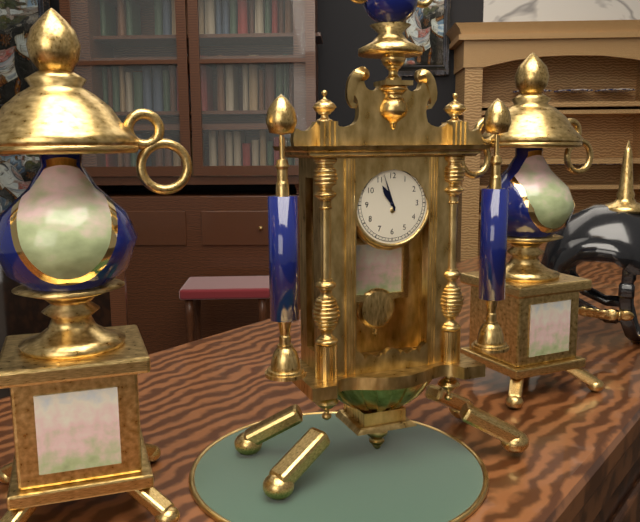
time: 10:57
